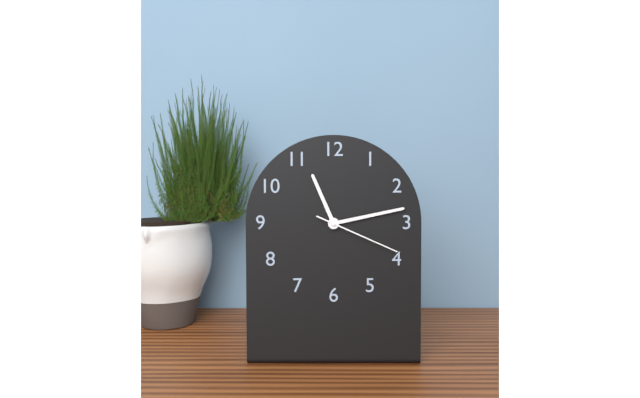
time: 11:13:19
